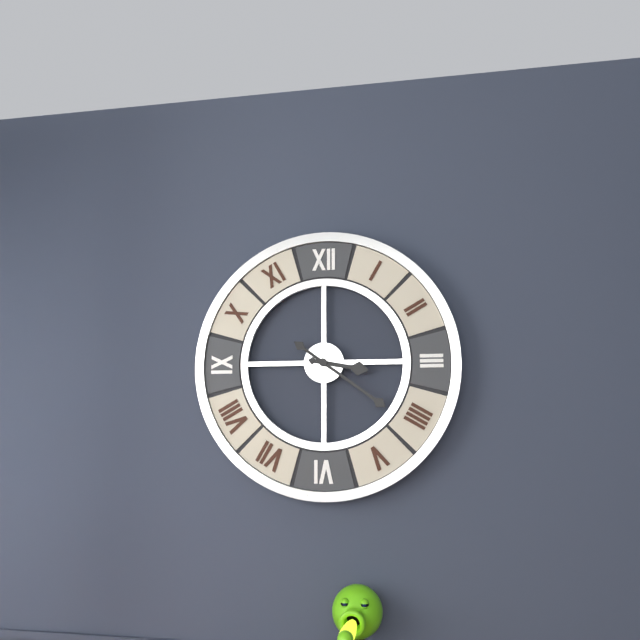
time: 3:21
